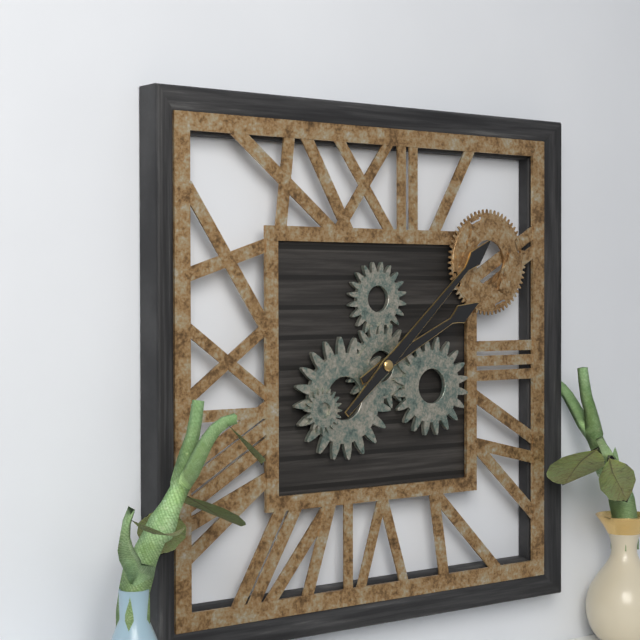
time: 2:08
